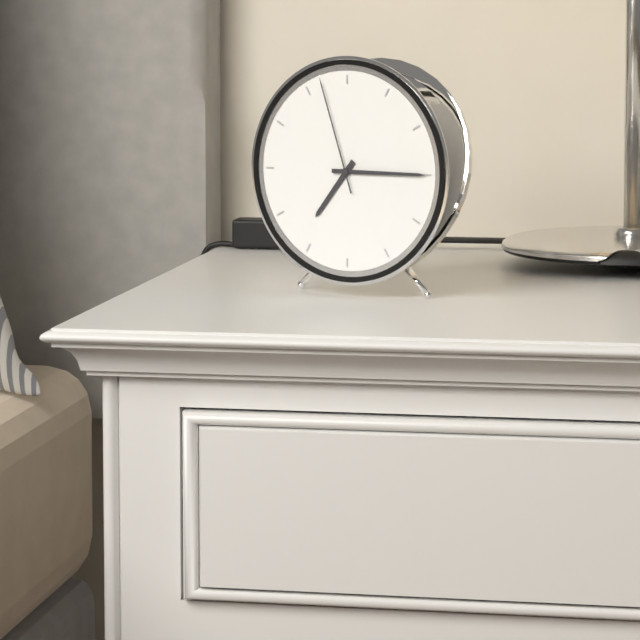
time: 7:15:57
